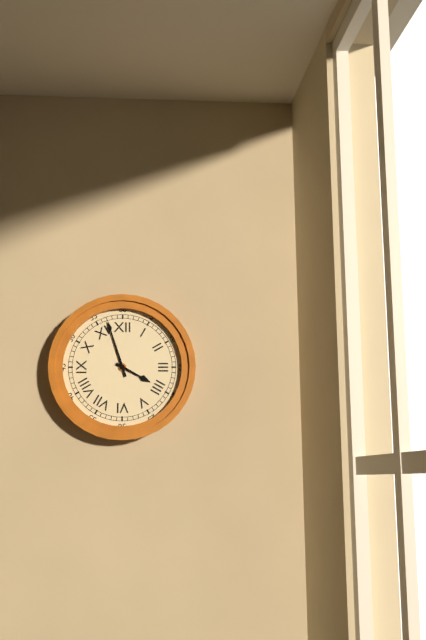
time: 3:57
